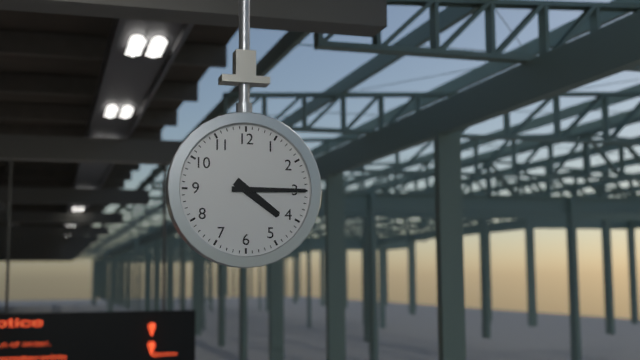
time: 4:15
